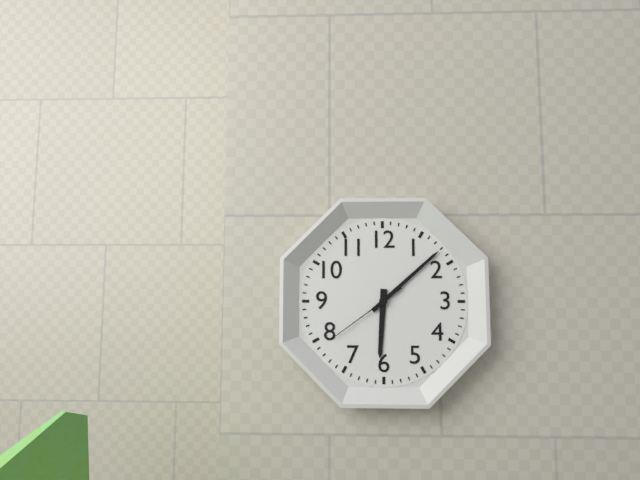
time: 6:08:39
